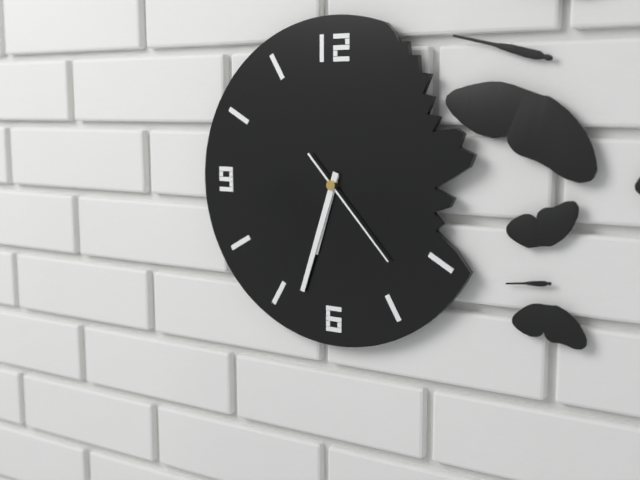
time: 6:33:23
